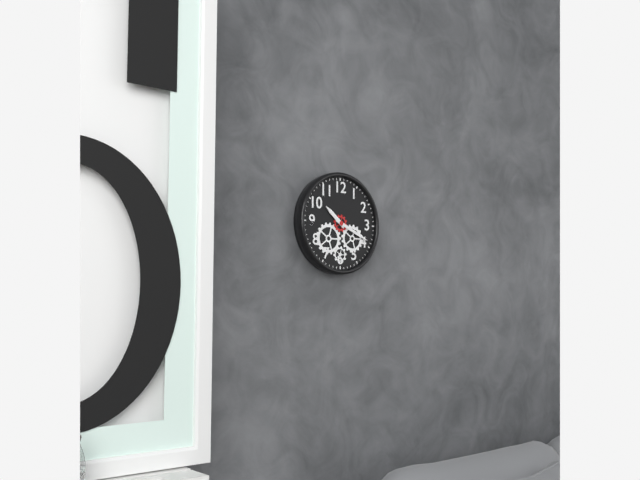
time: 10:19
